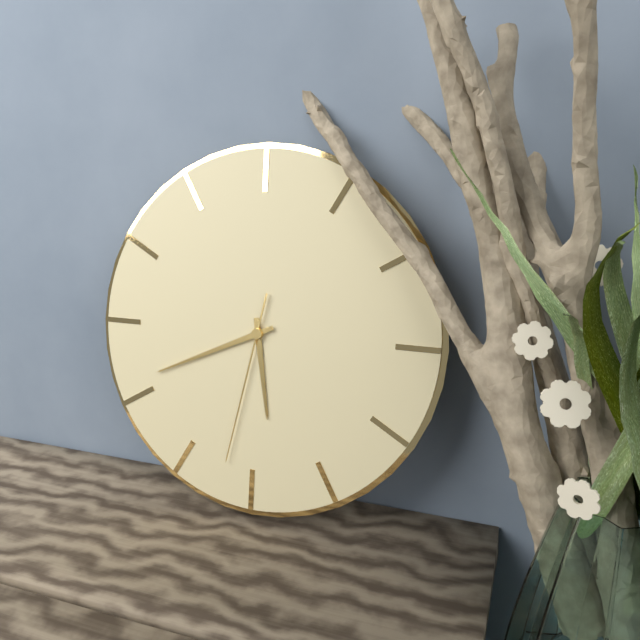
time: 5:41:32
